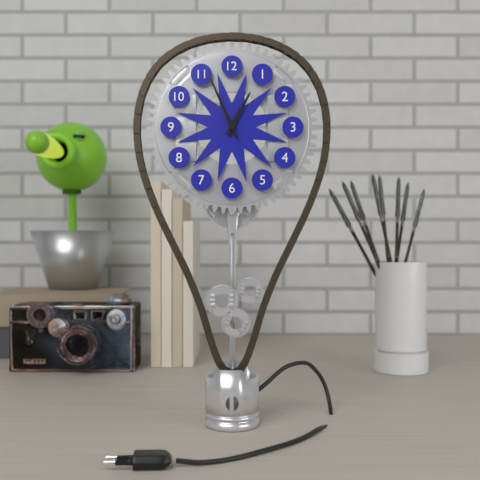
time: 12:56
